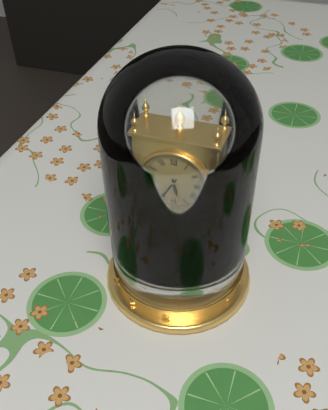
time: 5:35
